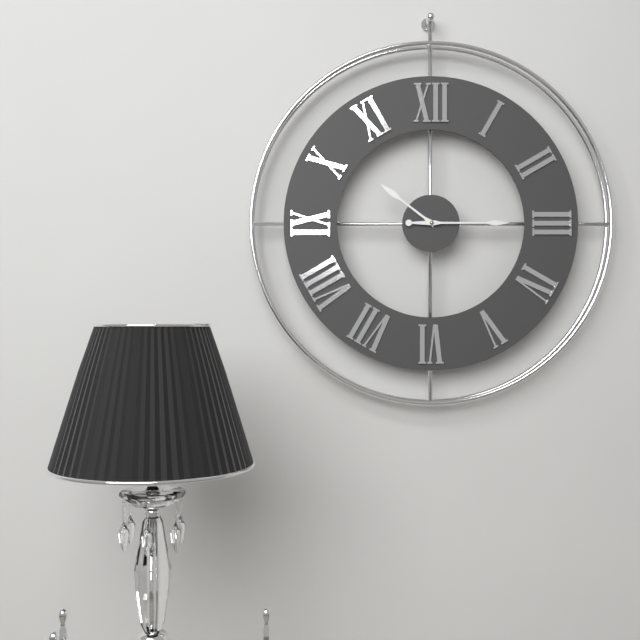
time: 10:15
